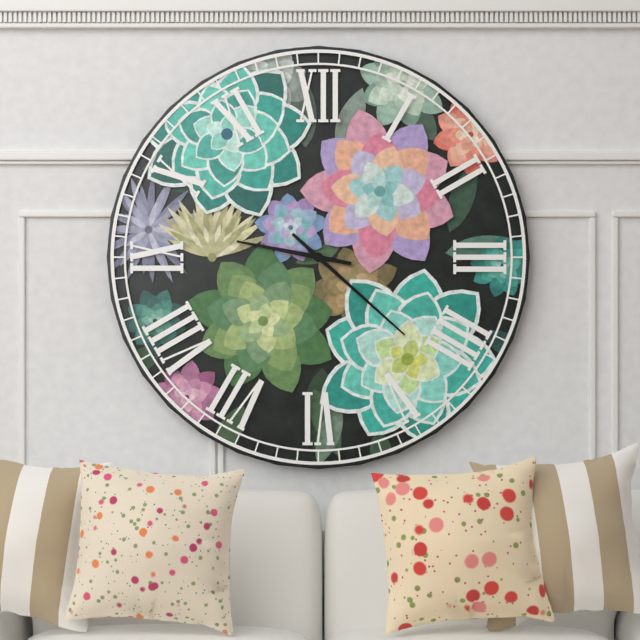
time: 9:22
